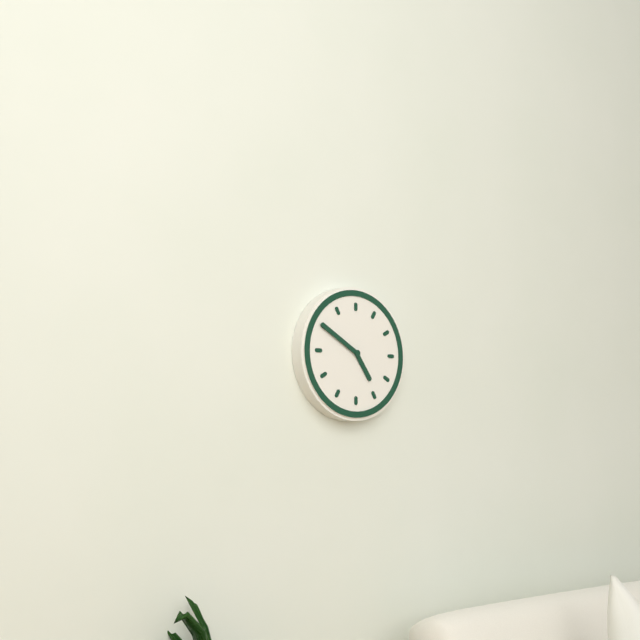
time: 4:50
